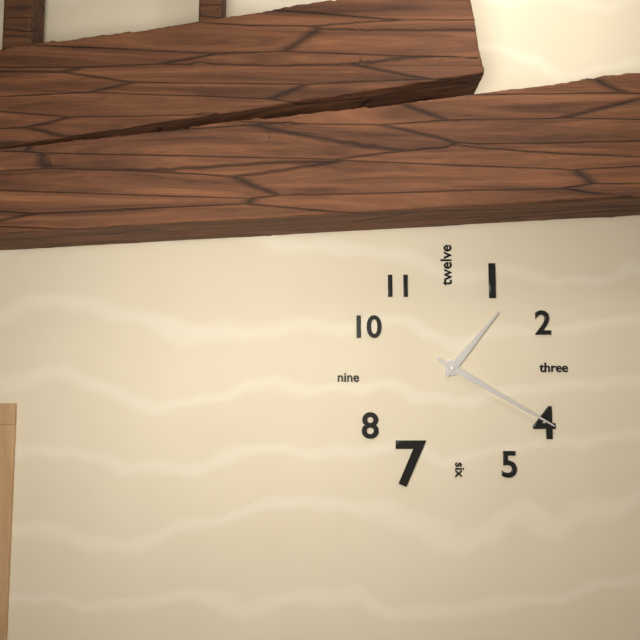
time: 1:20
